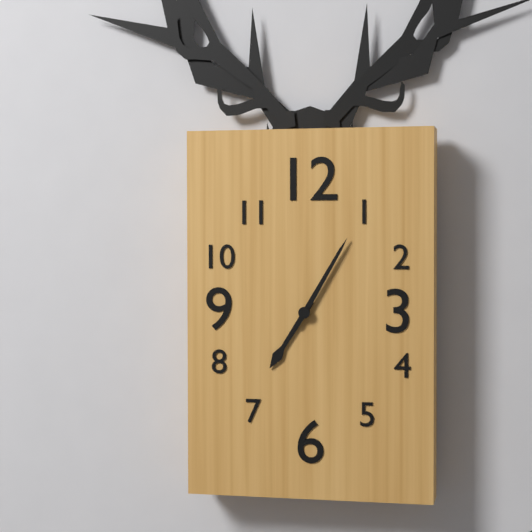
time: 7:05
